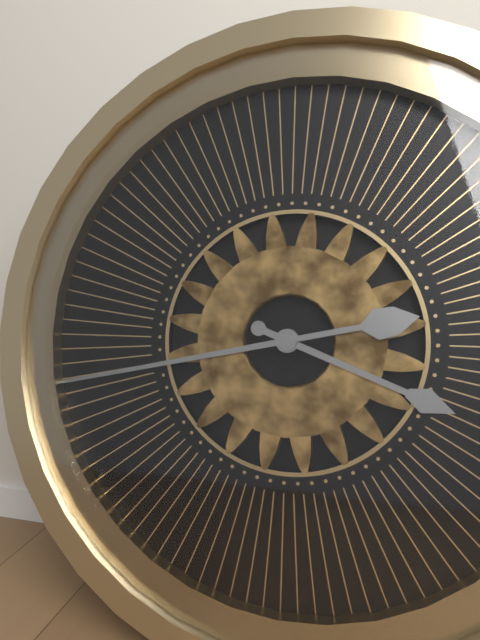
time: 3:43
